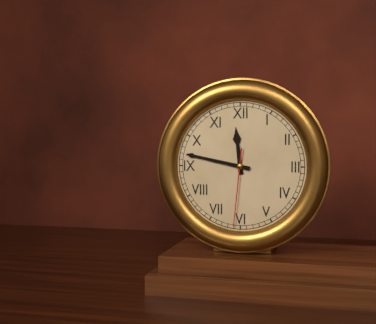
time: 11:47:31
